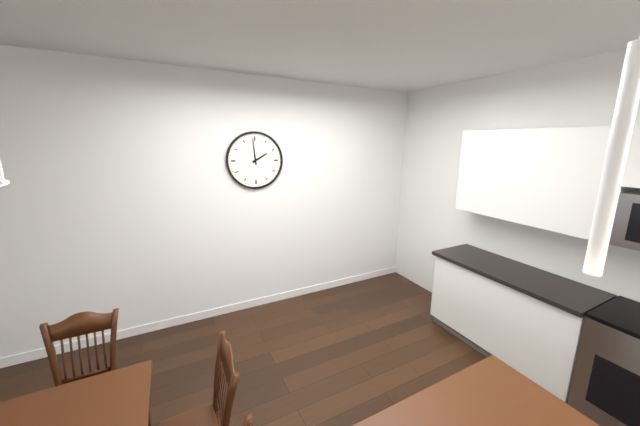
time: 1:59
